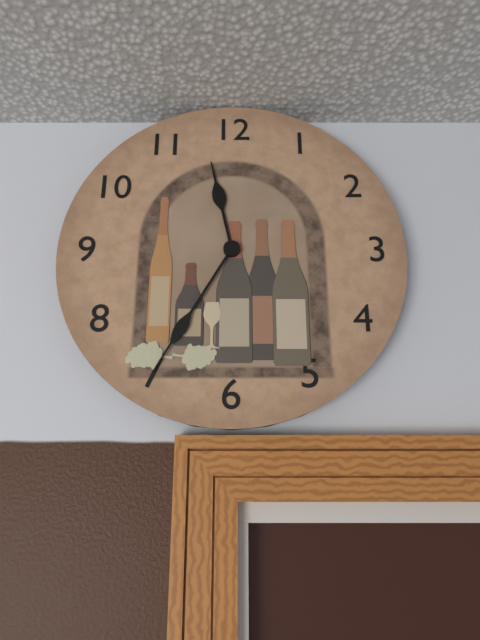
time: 11:35
